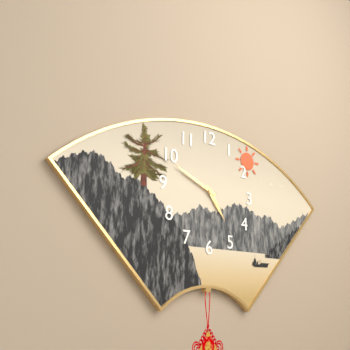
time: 4:49
